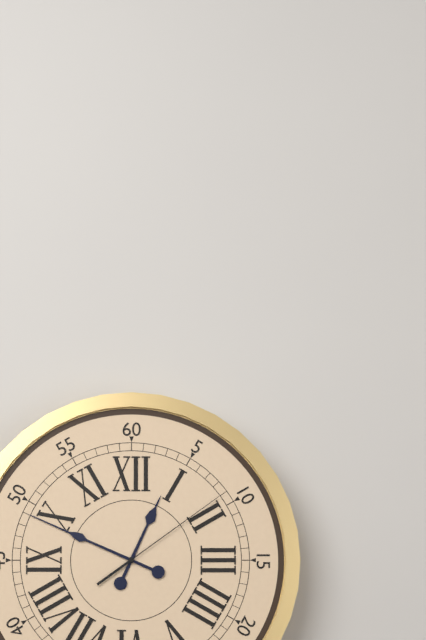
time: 12:49:09
